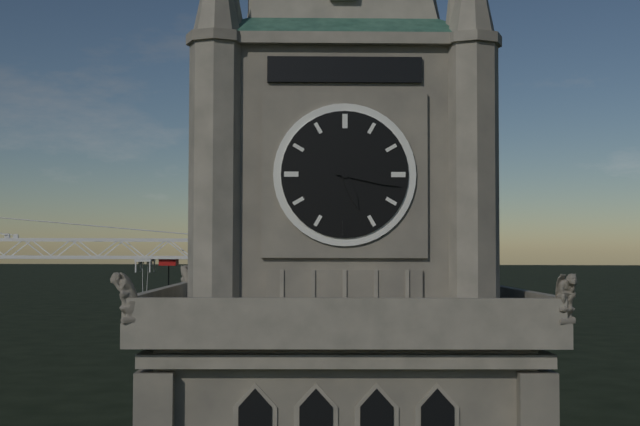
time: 5:17
